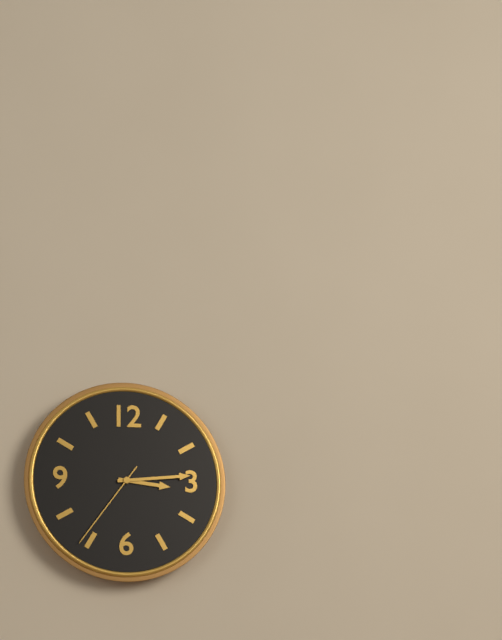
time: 3:14:36
